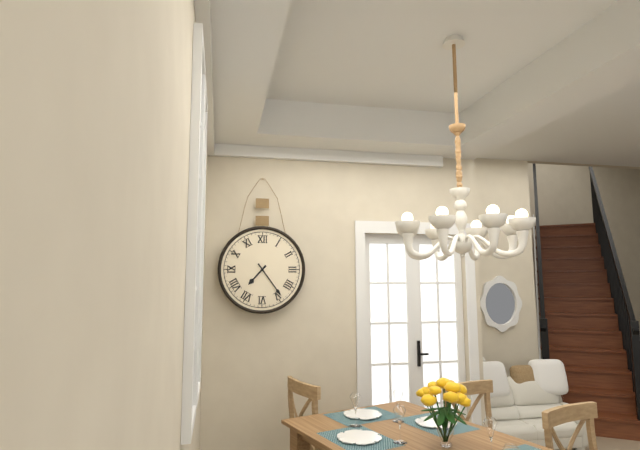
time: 7:24
